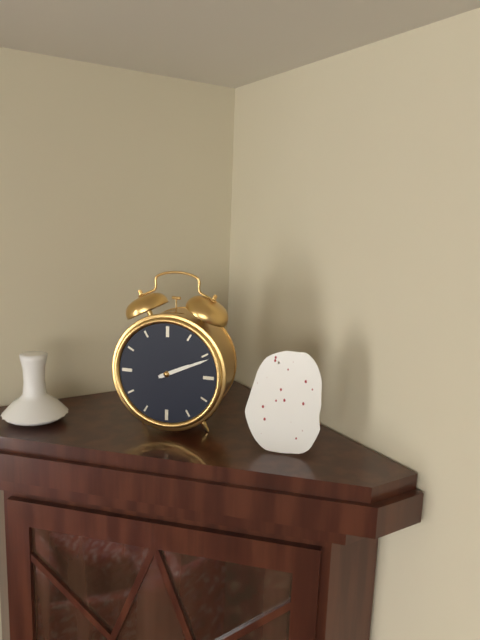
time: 2:11
